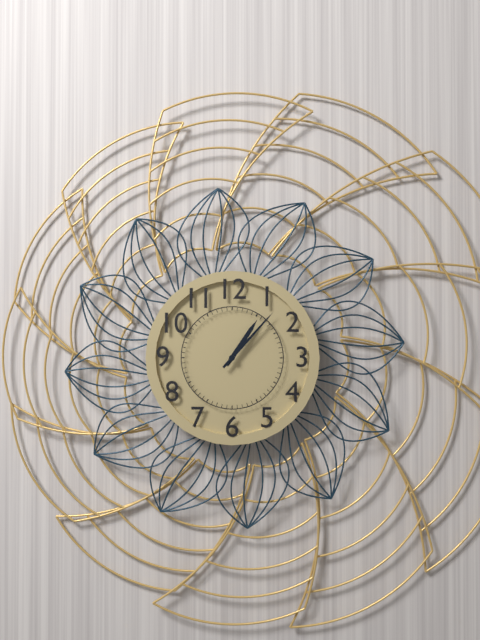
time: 1:07
